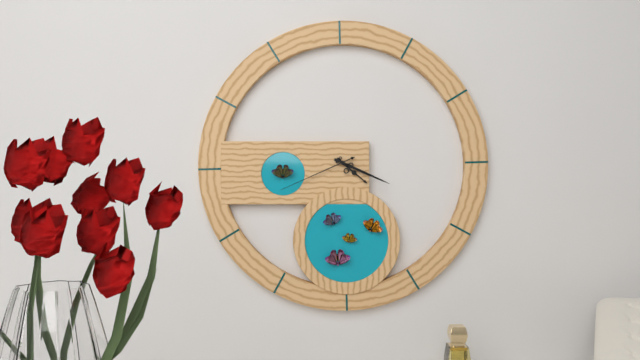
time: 4:19:41
